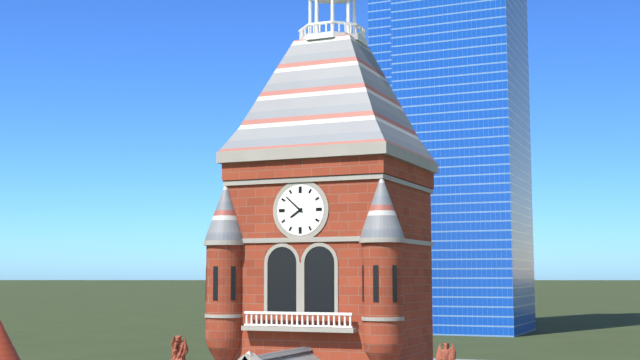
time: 7:52
